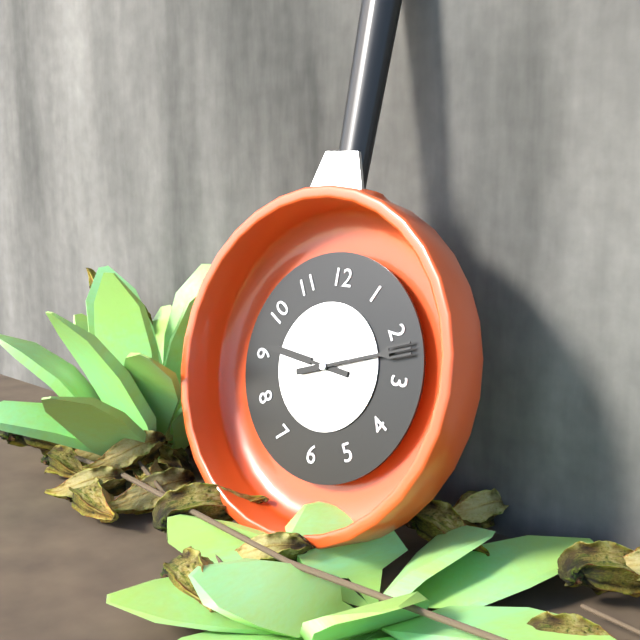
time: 9:12
